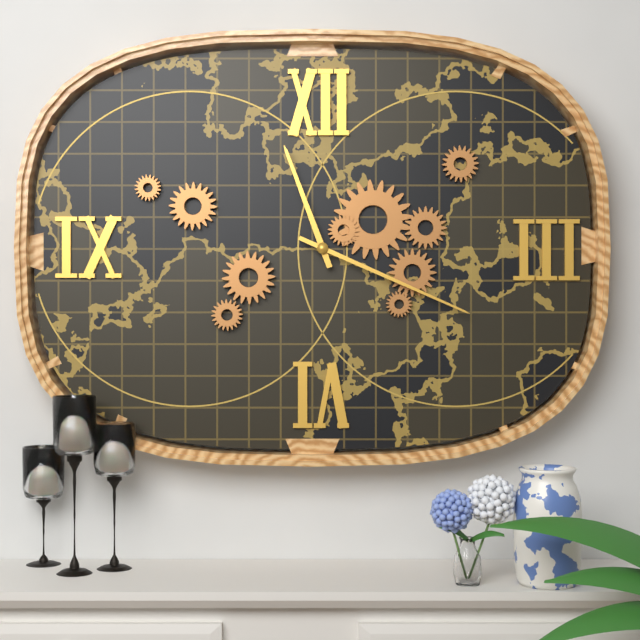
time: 11:19
